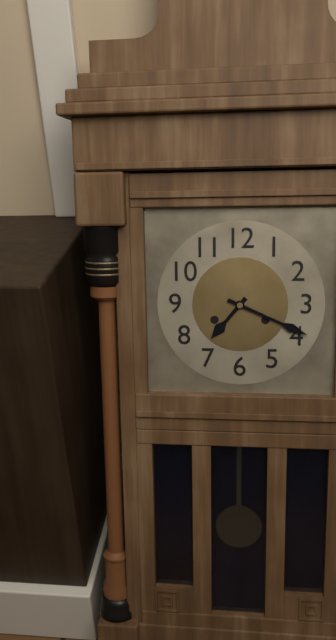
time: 7:19
